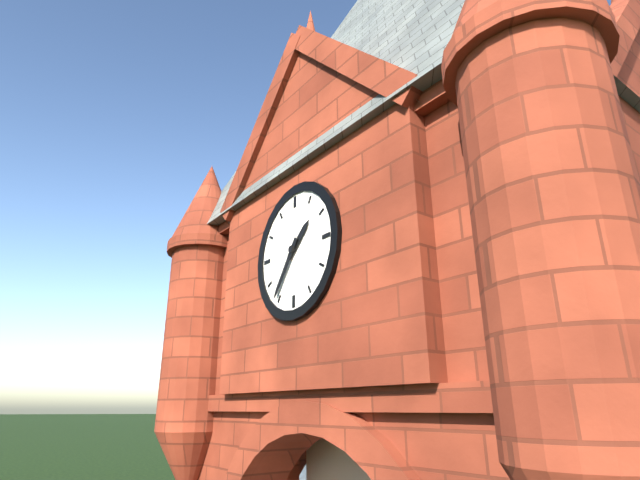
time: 1:36
